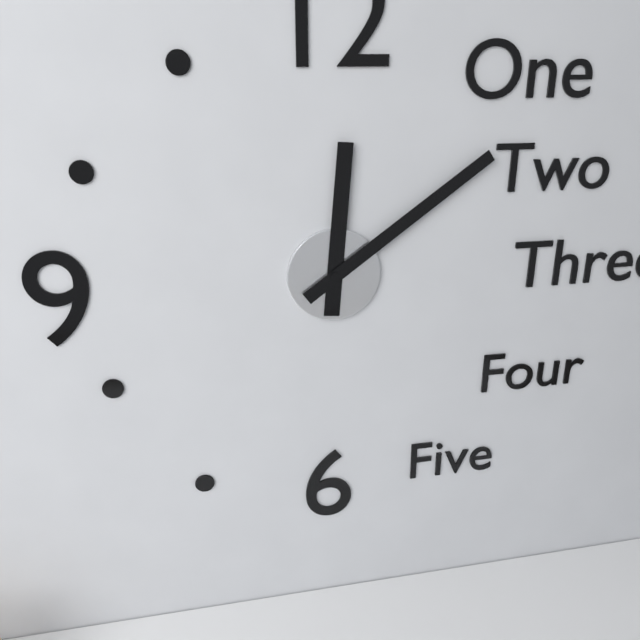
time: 12:09
